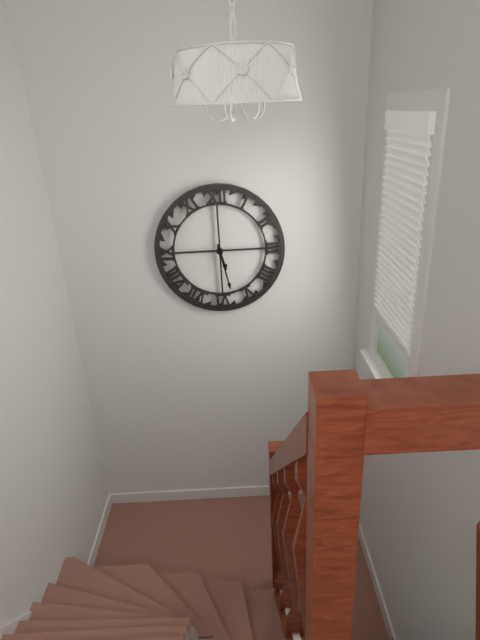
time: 5:28
